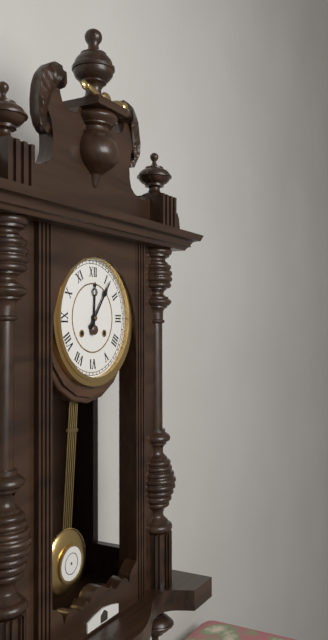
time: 12:06
